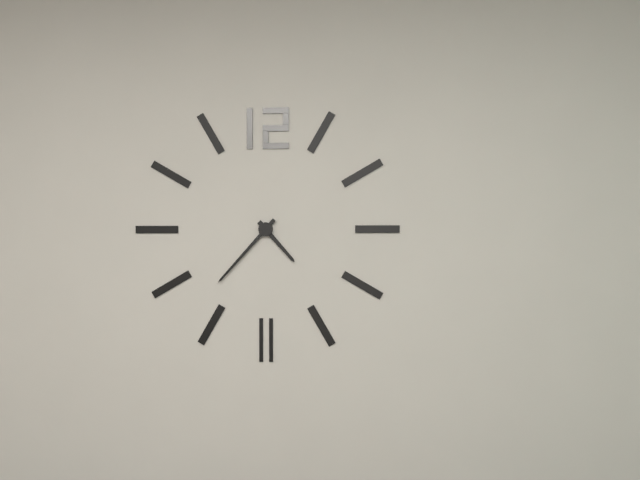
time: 4:37
